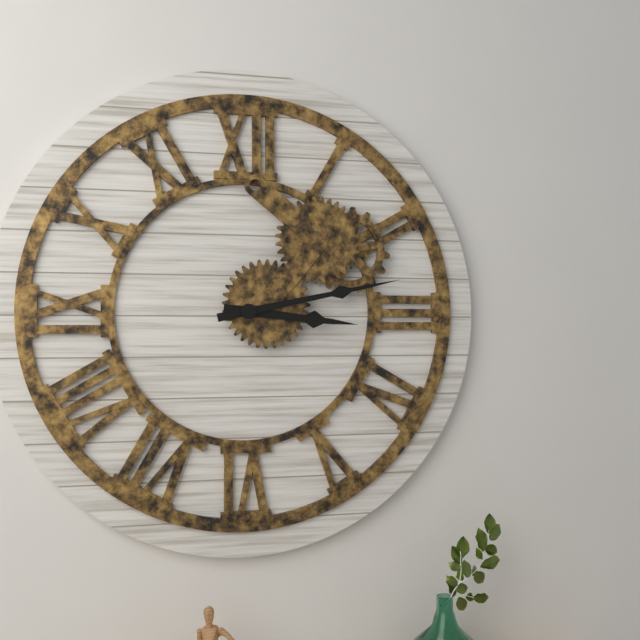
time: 3:13
